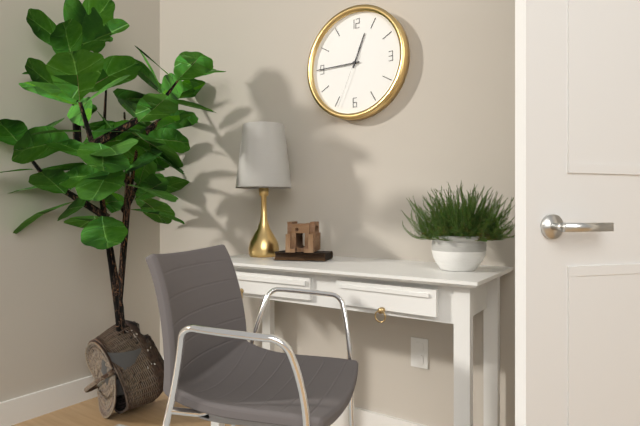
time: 12:45:34
